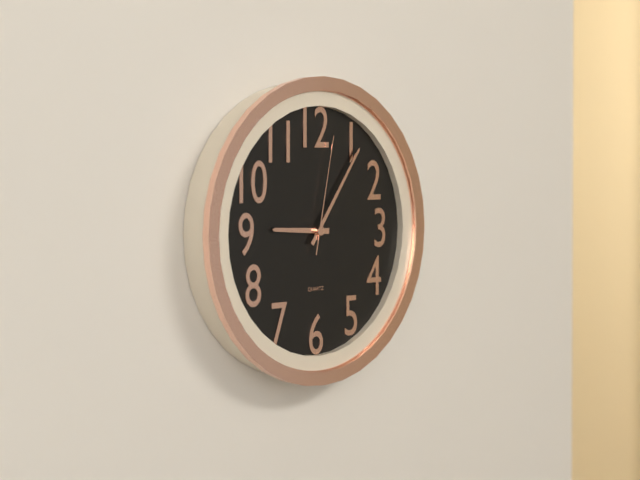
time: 9:06:02
